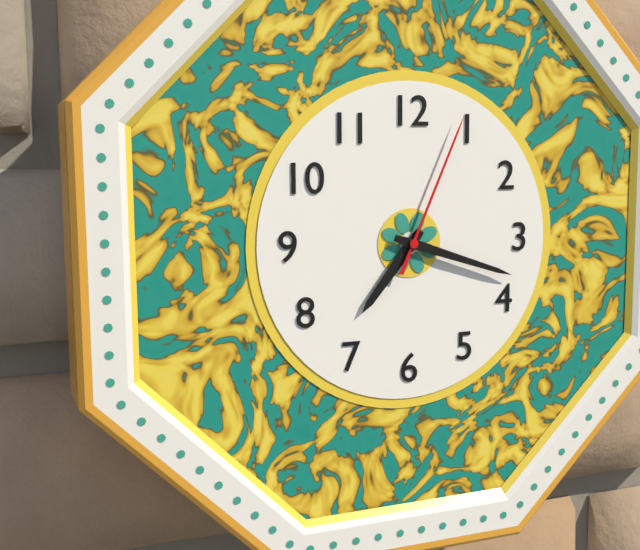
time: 7:18:04
